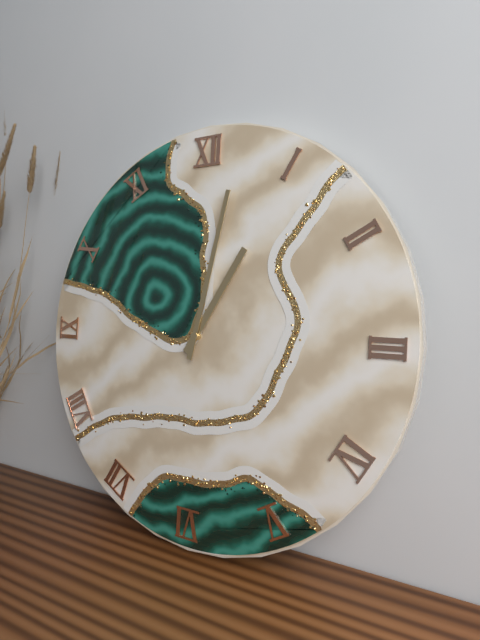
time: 1:02
